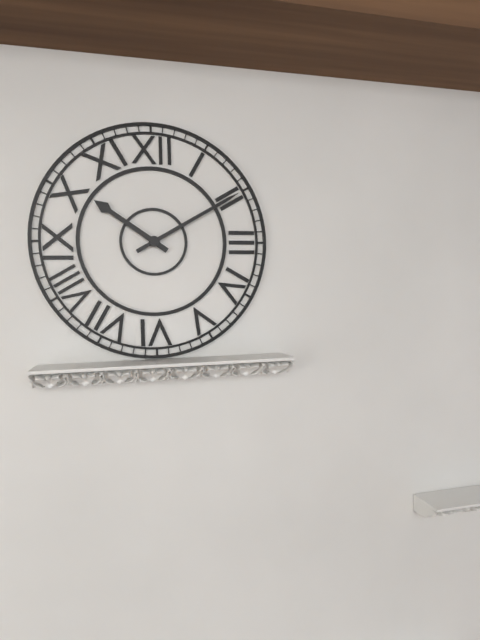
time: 10:10
